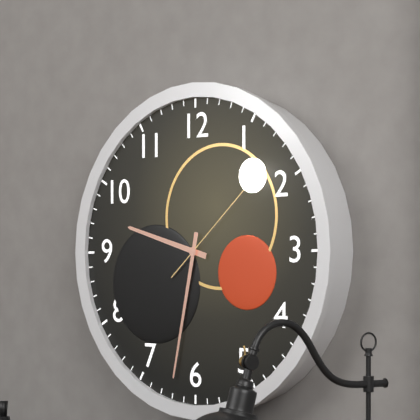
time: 9:32:08
